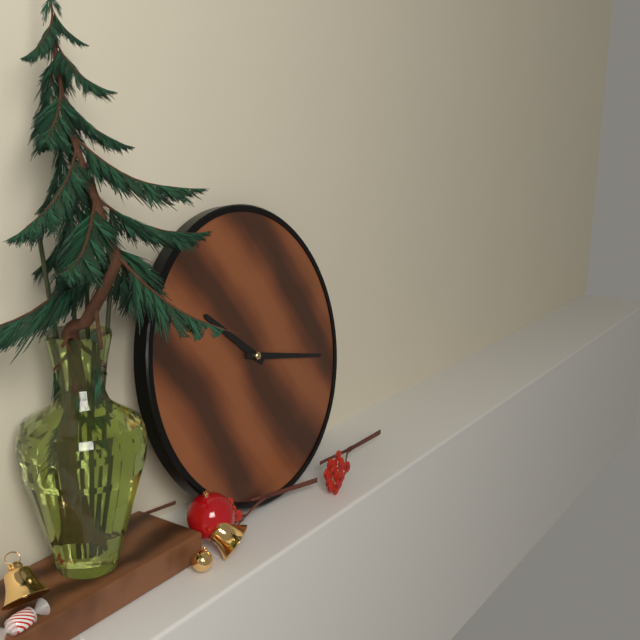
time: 10:17
